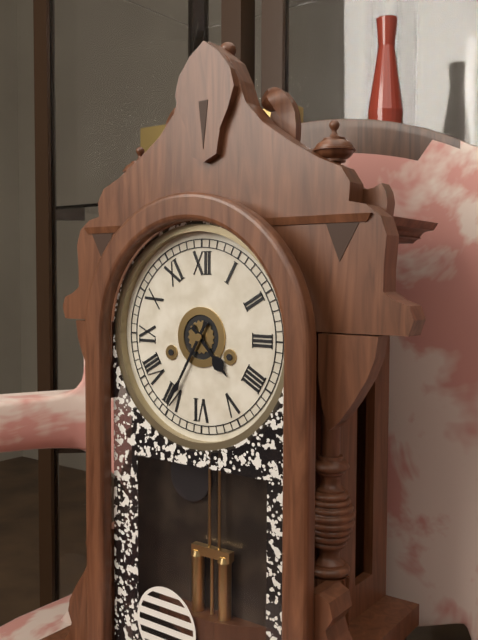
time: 4:35
